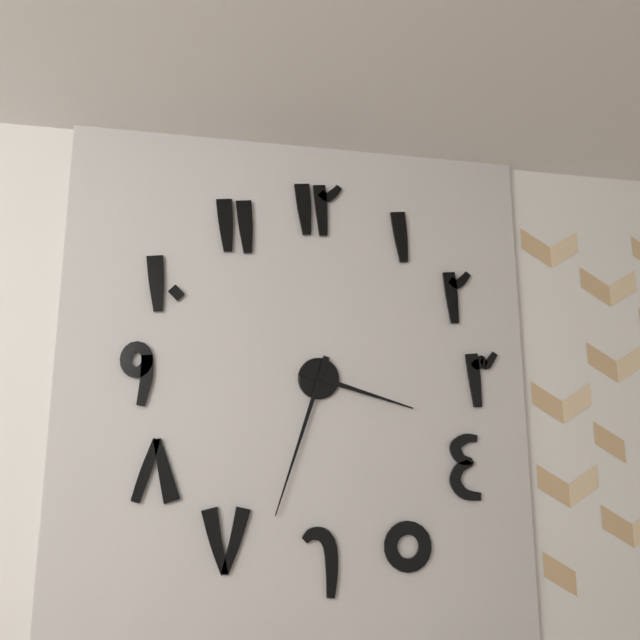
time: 3:33
